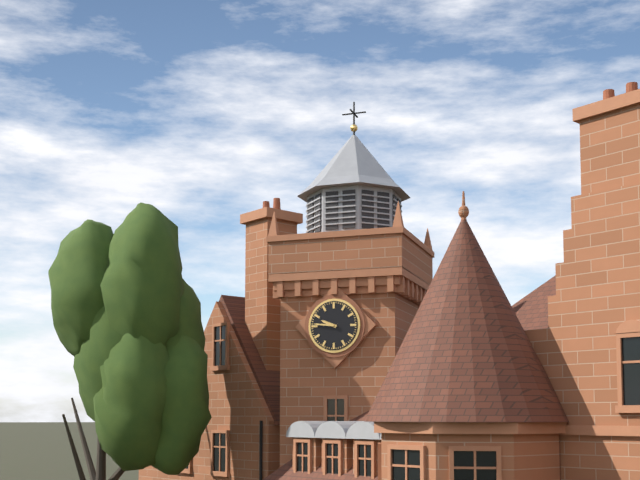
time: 9:46
